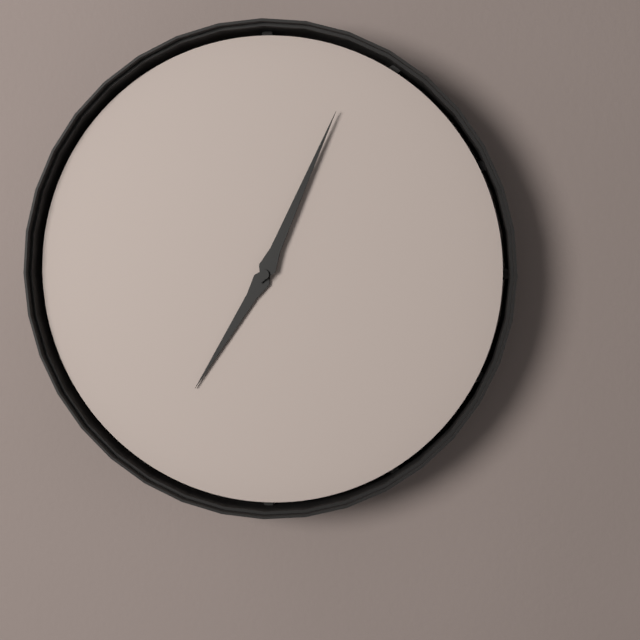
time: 7:04
